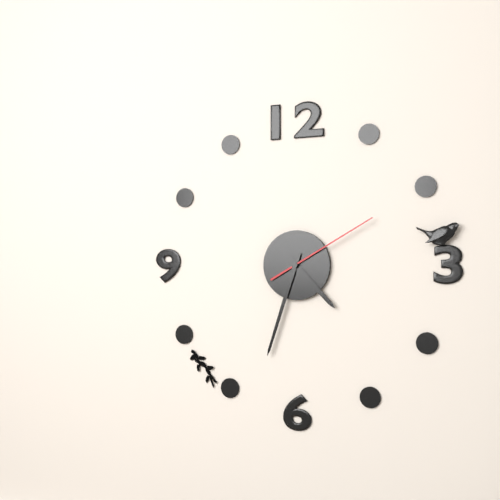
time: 4:33:10
